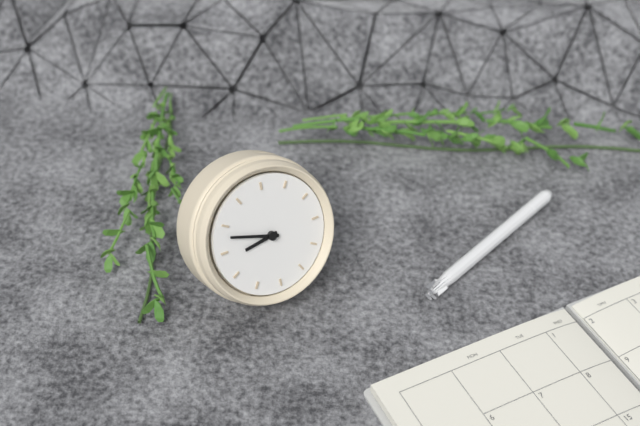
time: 7:43
